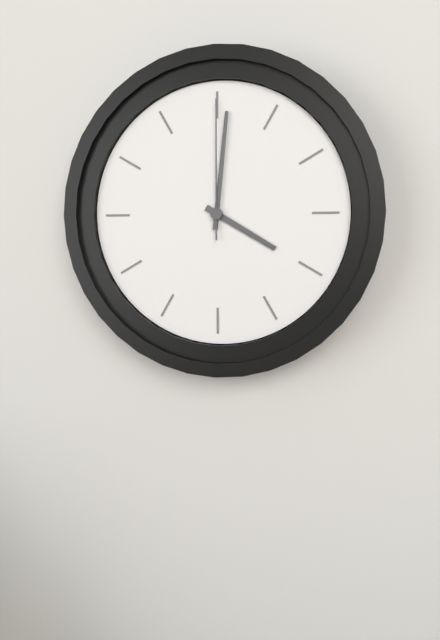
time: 4:01:00
